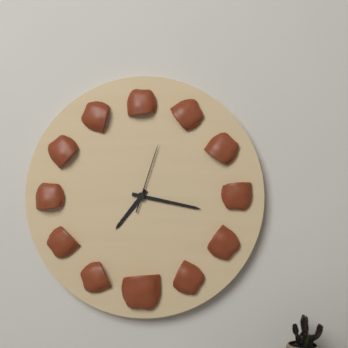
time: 7:17:03
